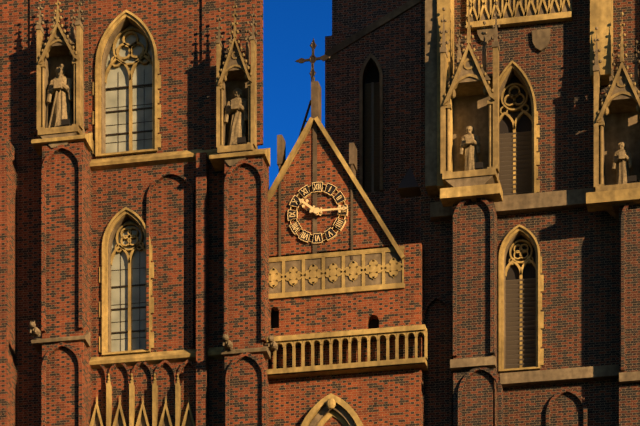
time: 10:15
